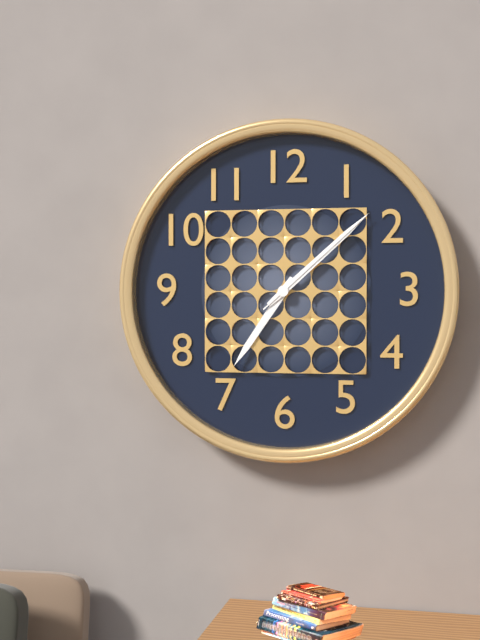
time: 7:08:08
